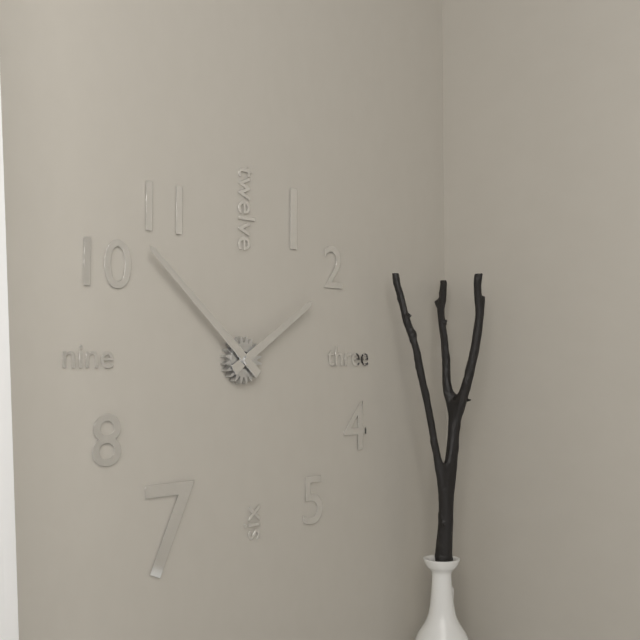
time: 1:52
